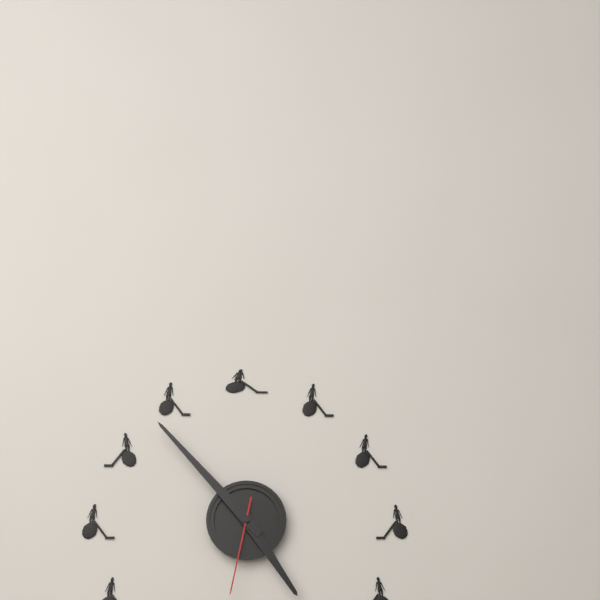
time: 4:53:32
